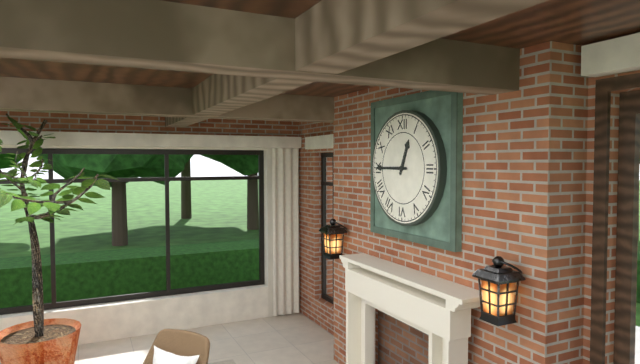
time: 12:45
